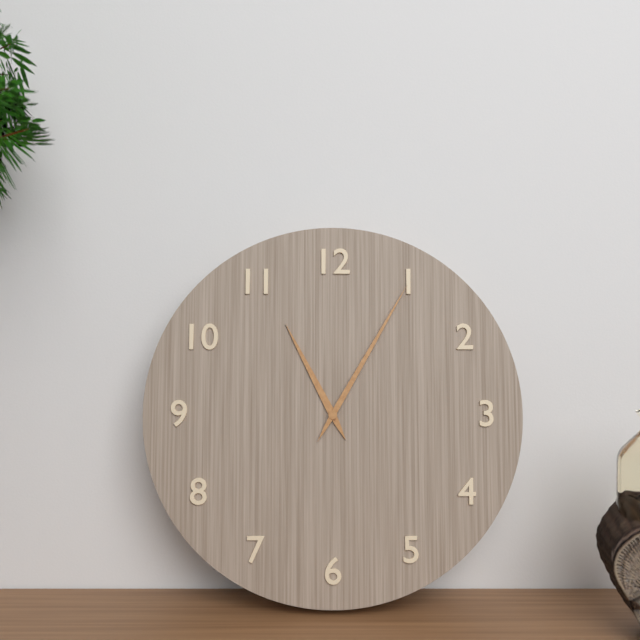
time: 11:05
